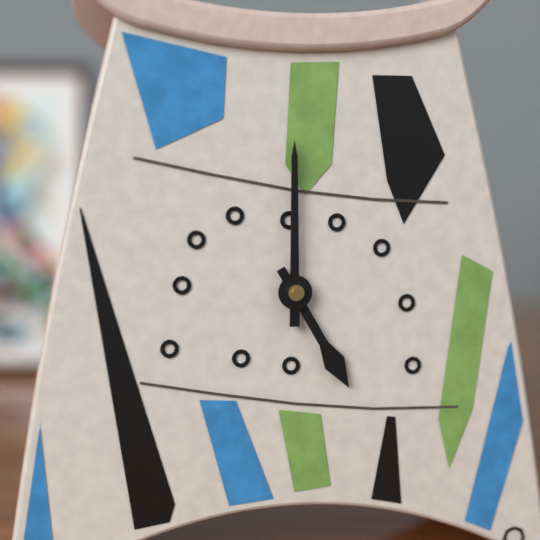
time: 5:00
